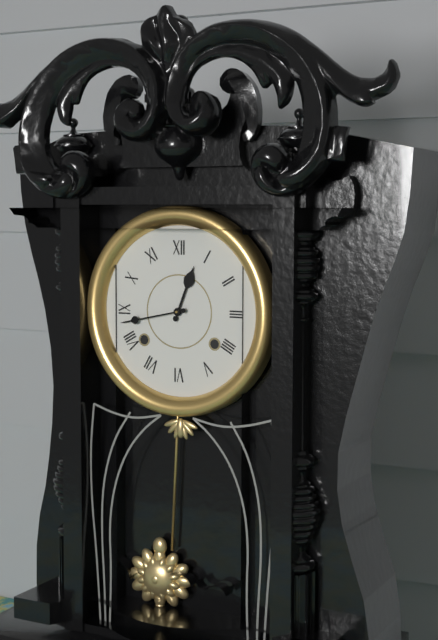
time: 12:43
